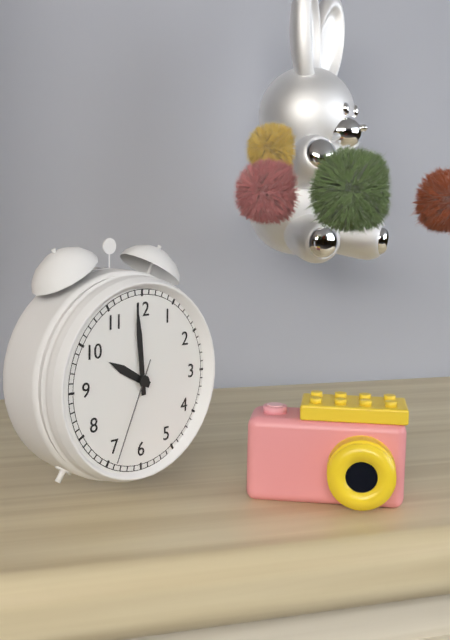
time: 9:59:34
